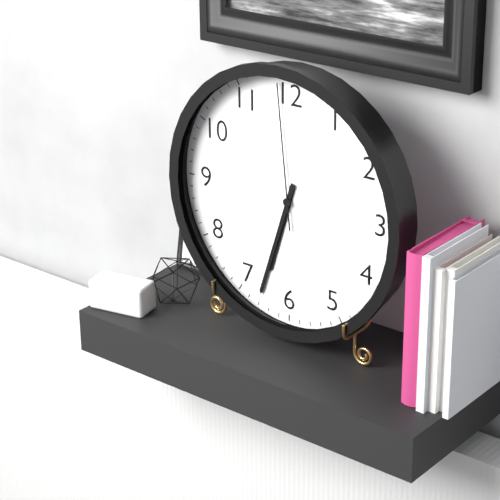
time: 6:33:59
